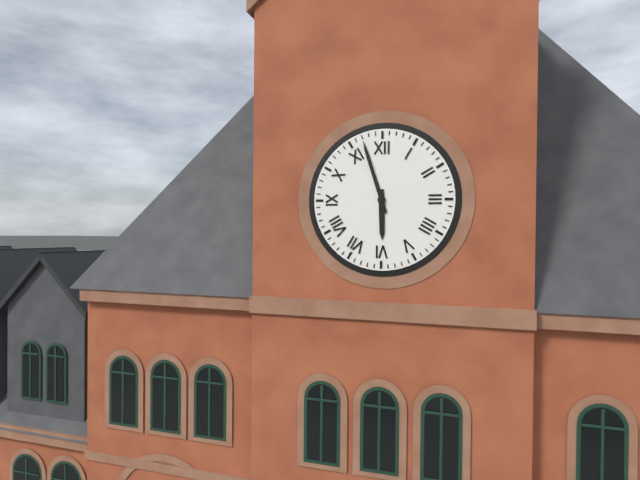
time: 5:57
